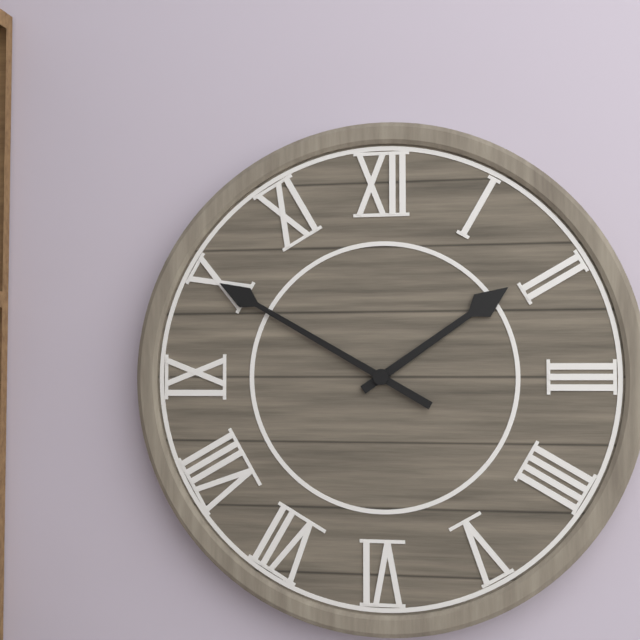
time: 1:50
